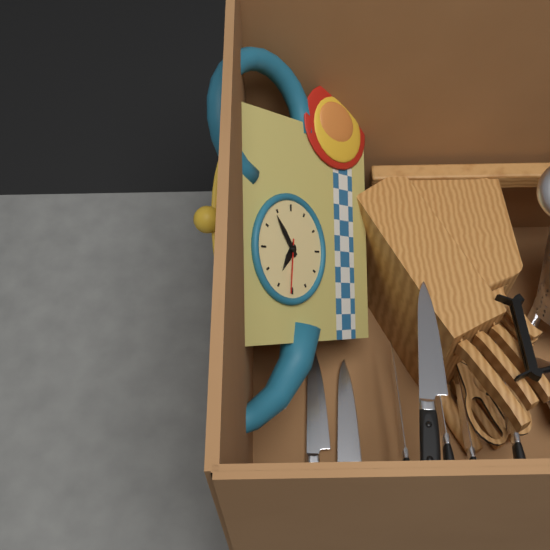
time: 10:09:46
